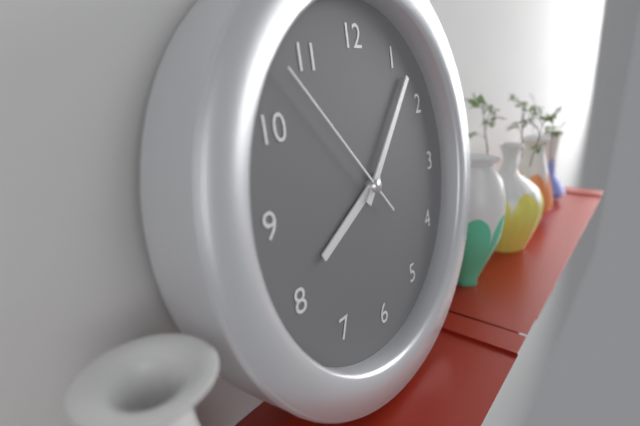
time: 8:07:53
